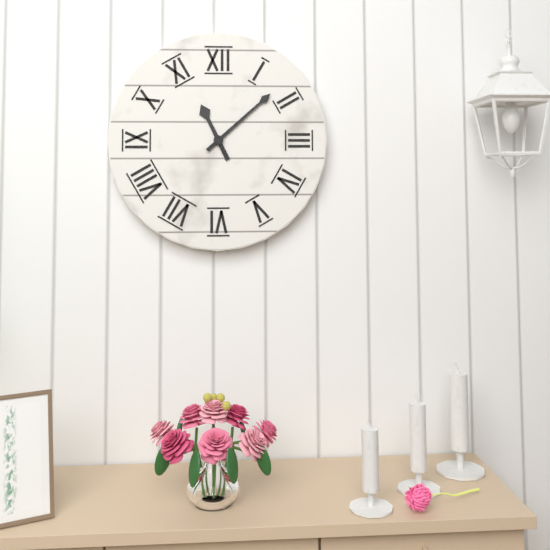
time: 11:08
